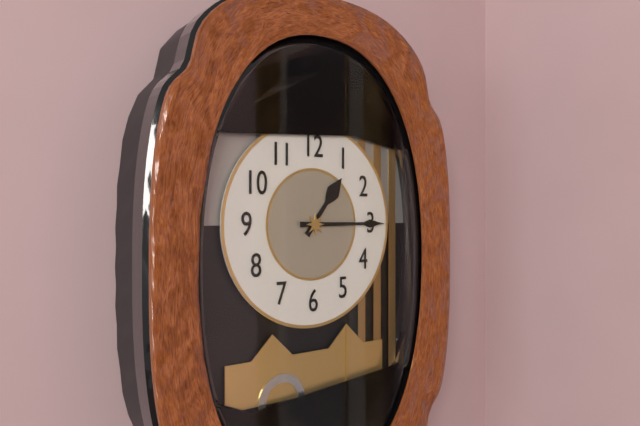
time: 1:15
